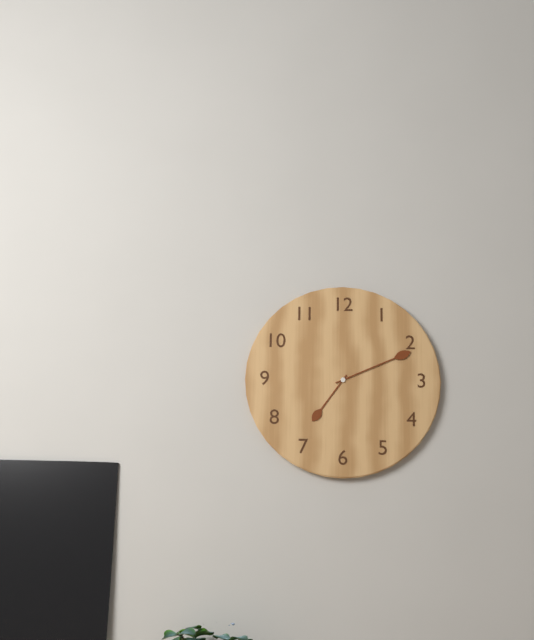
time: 7:11
